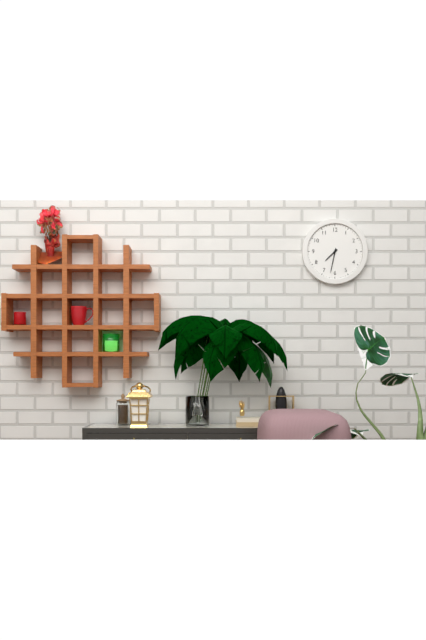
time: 7:32
